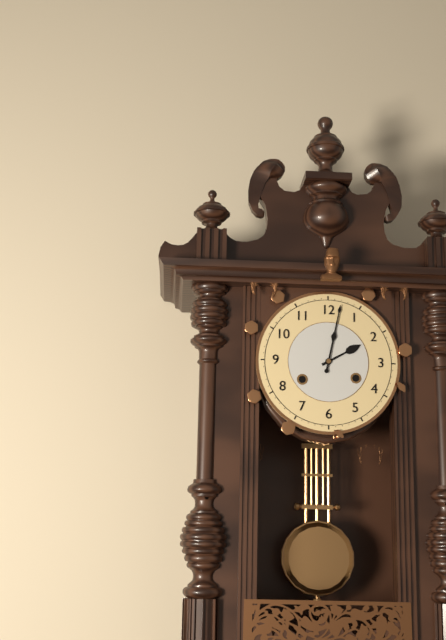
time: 2:02
